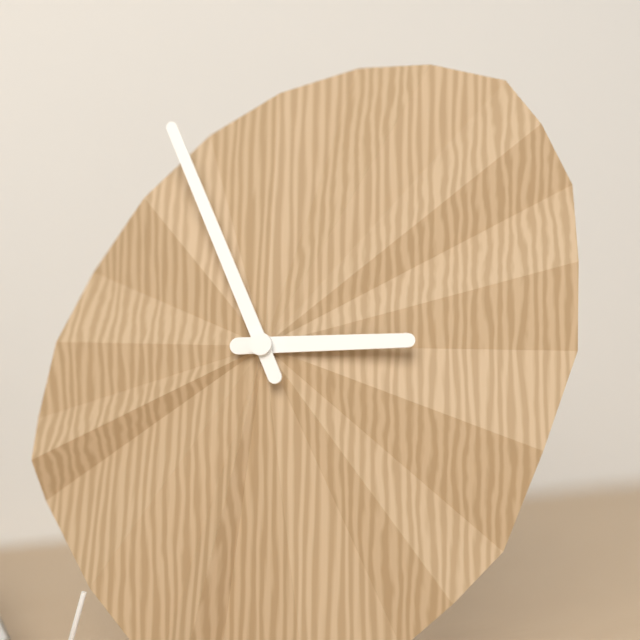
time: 2:56
